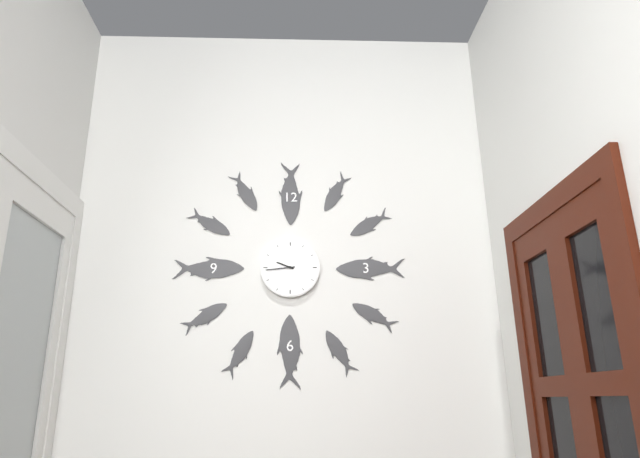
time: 9:44
